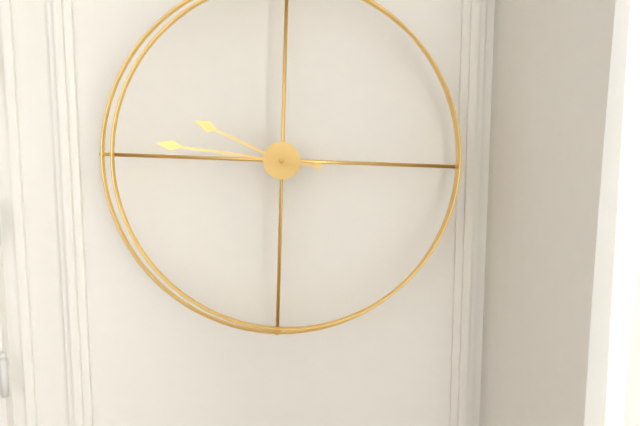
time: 9:46
